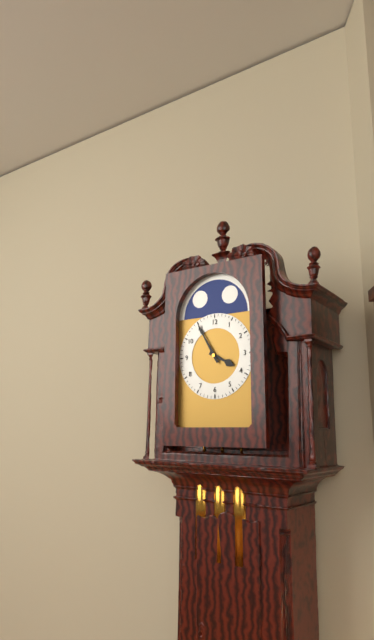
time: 3:55
